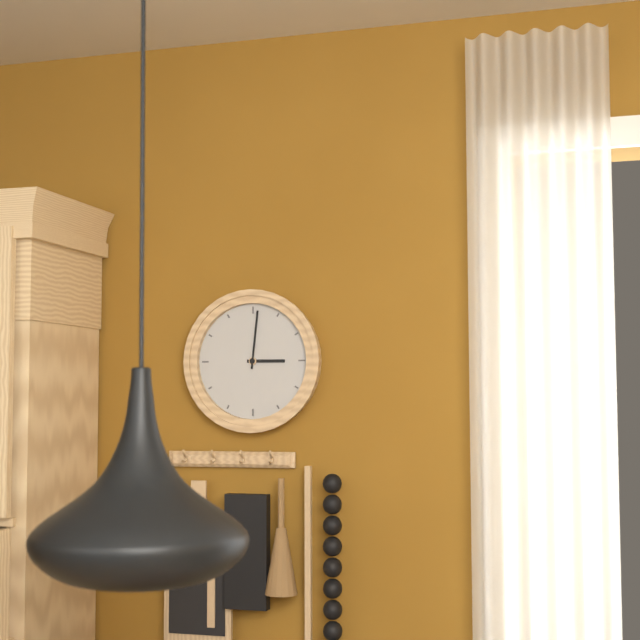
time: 3:01
